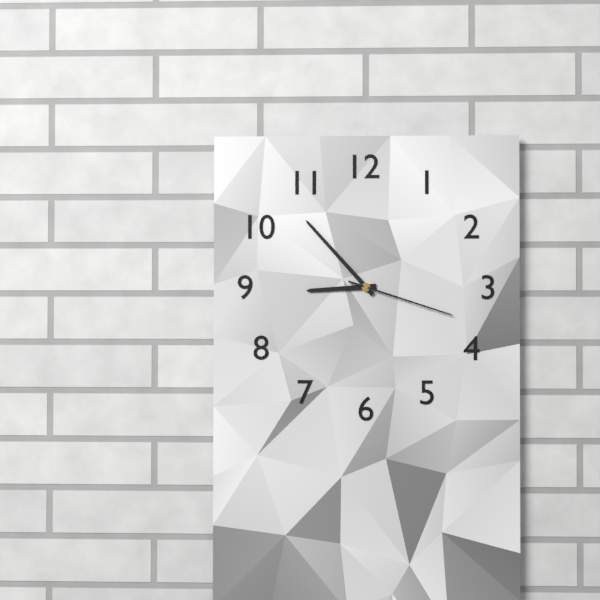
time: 8:53:18
